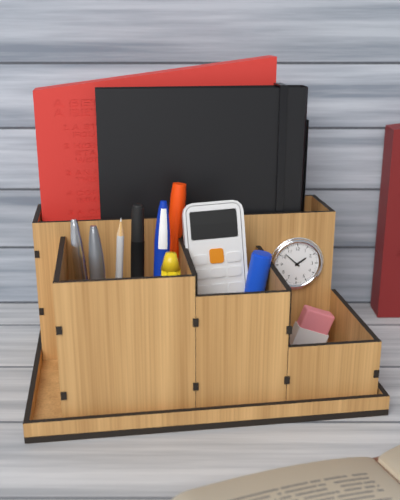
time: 1:52
